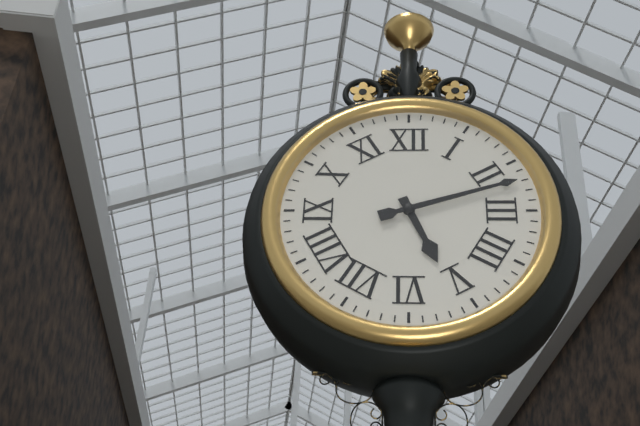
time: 5:12
